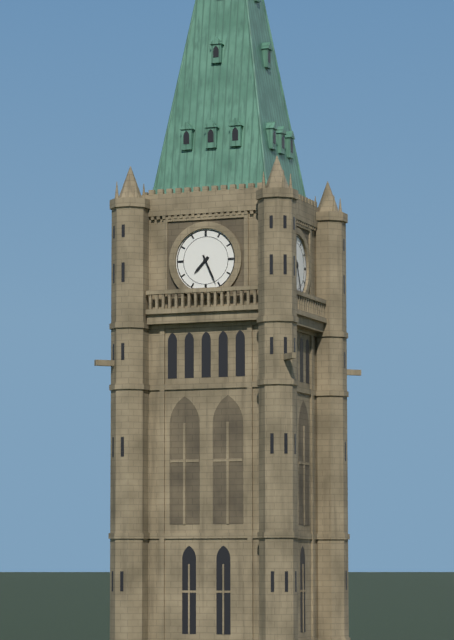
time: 7:26
